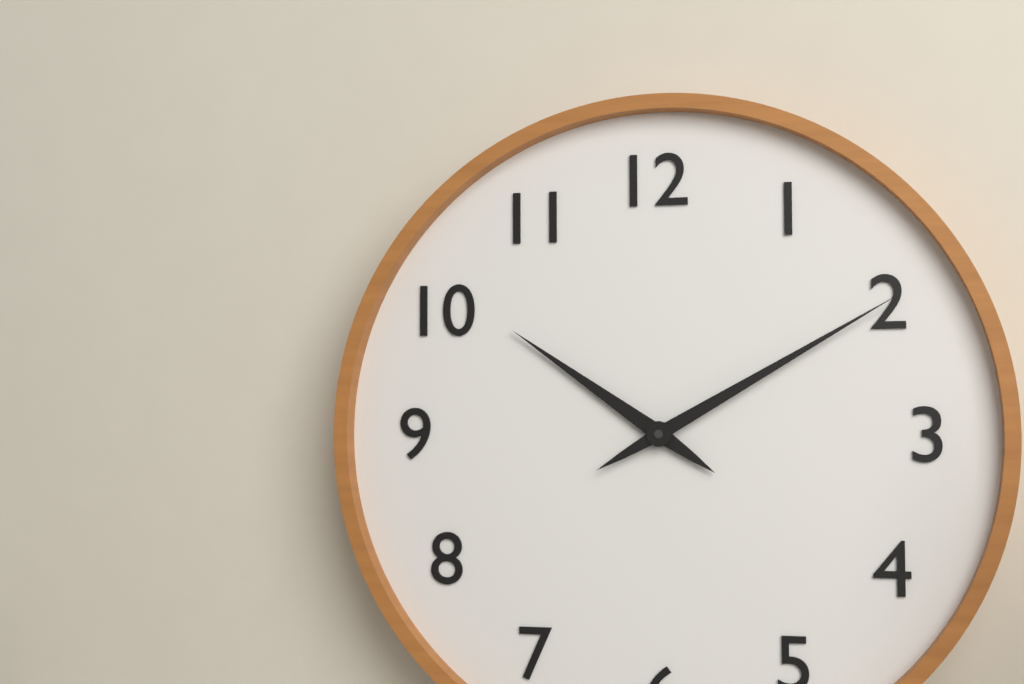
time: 10:10
